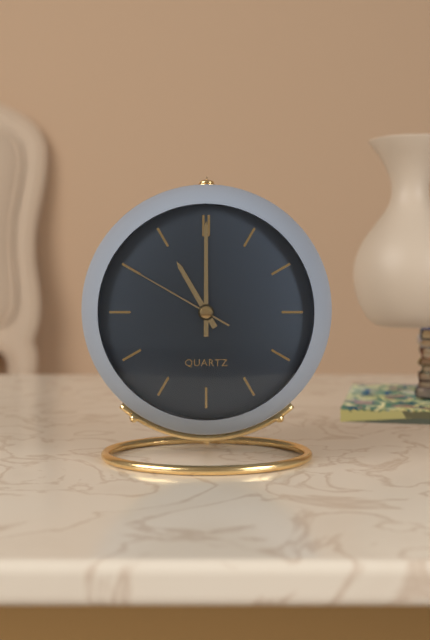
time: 11:00:50
